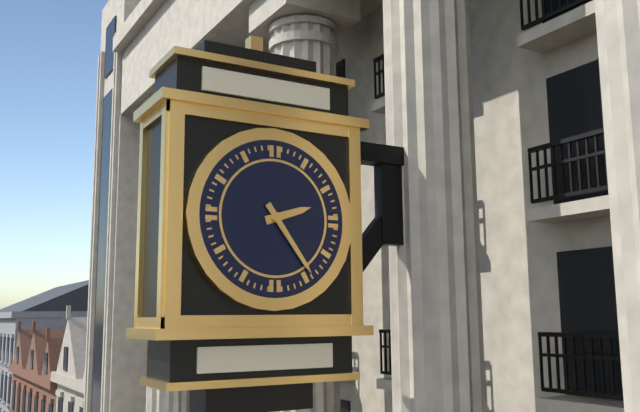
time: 2:24
